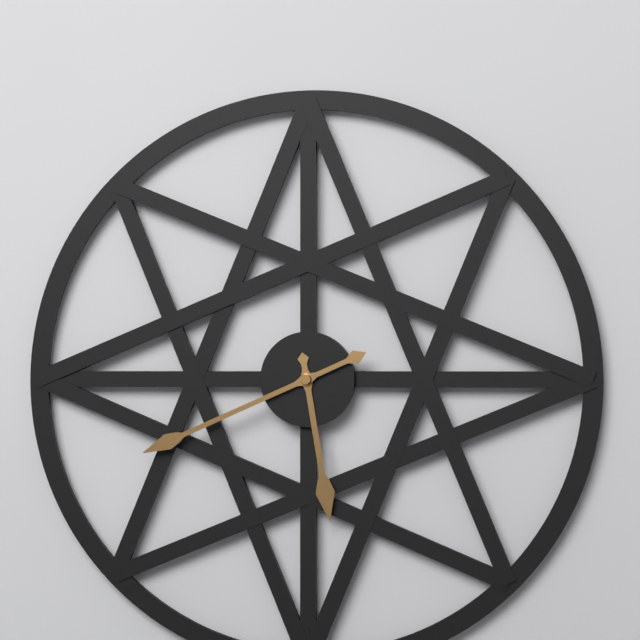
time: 5:41
